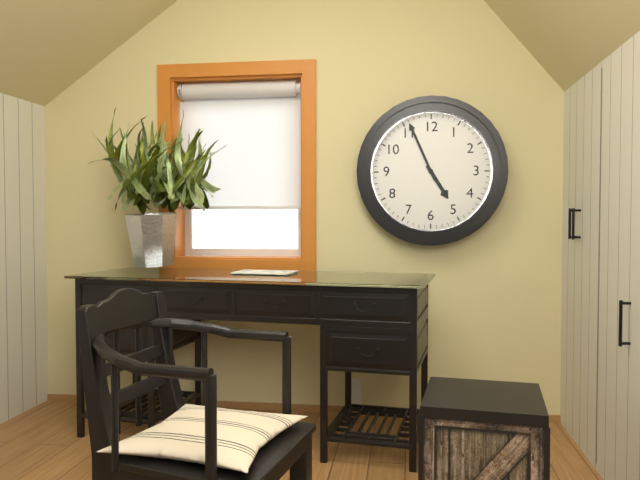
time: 4:56
